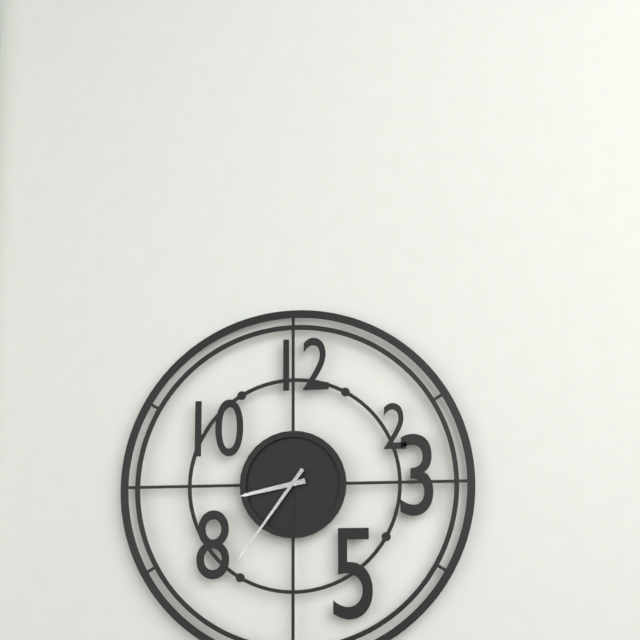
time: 8:36
